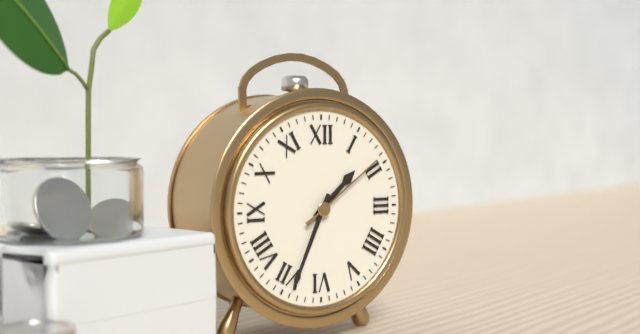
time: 1:34:09
